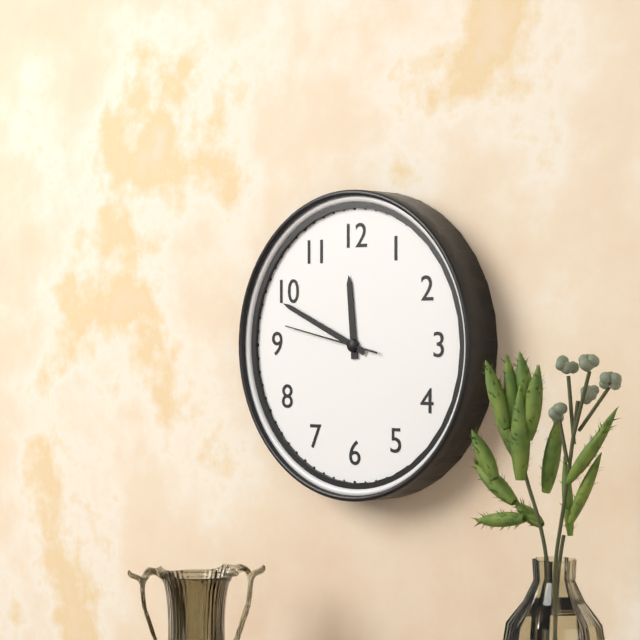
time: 11:49:47
